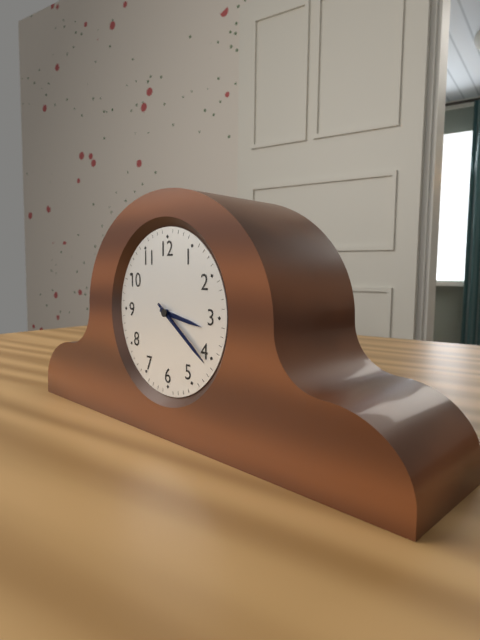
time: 3:21
